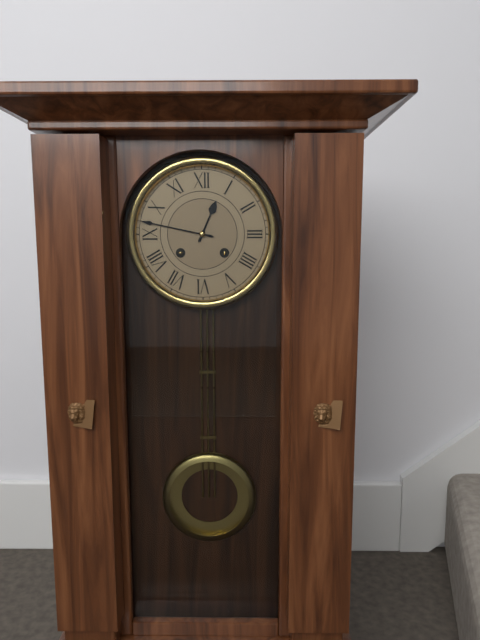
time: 12:47
